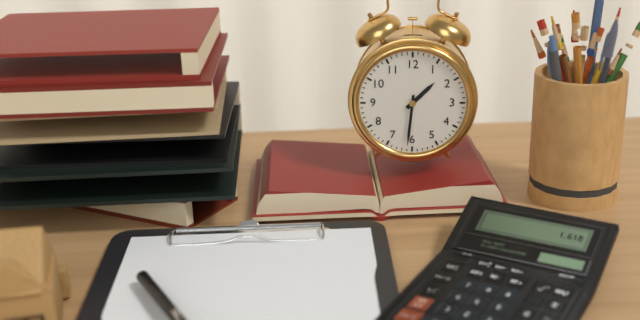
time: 1:31
